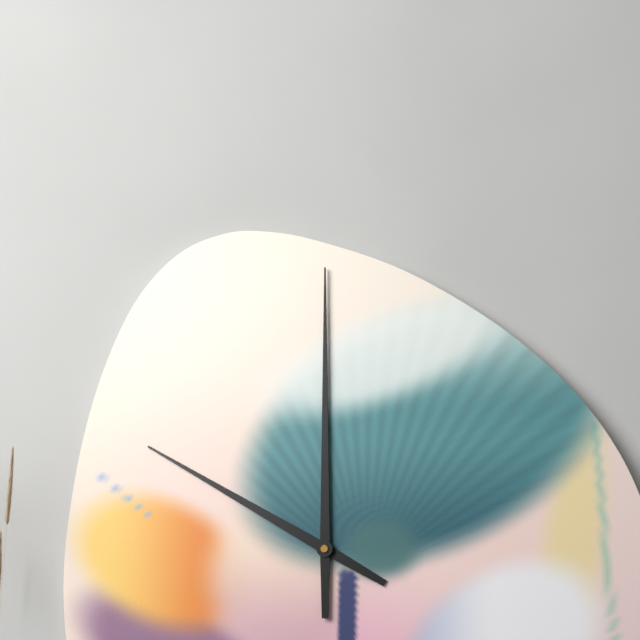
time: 10:00
